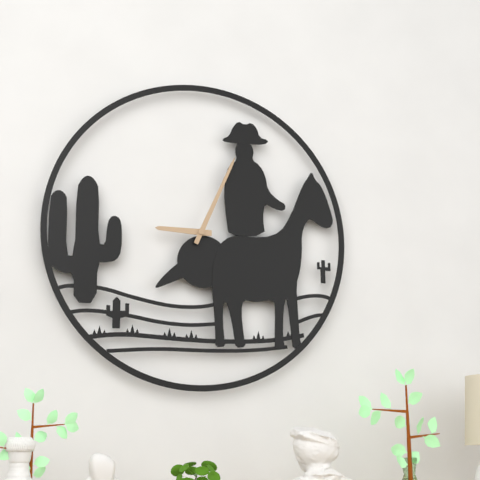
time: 9:04
